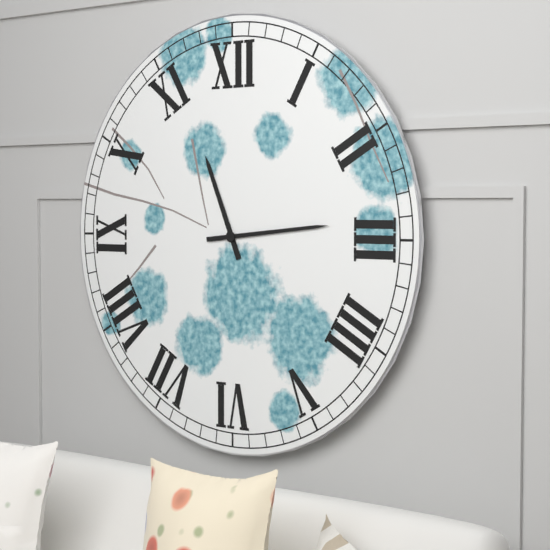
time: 11:14
